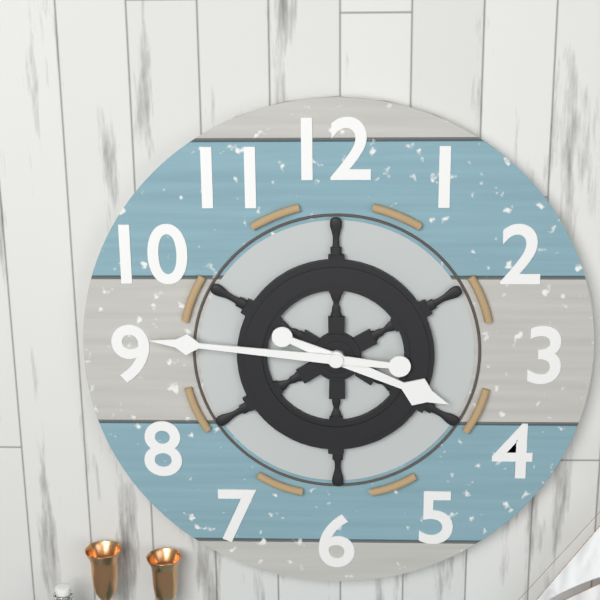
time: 3:46
